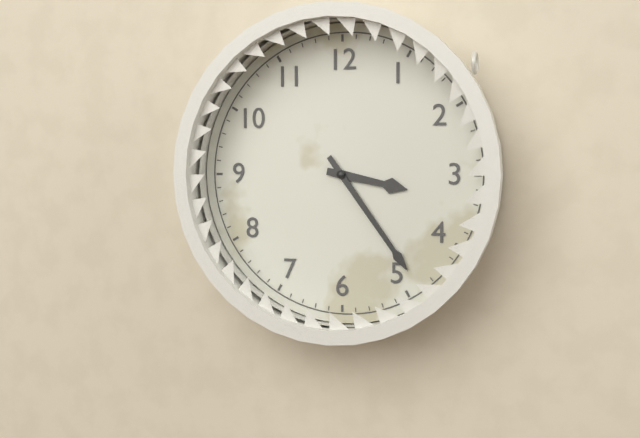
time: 3:24
